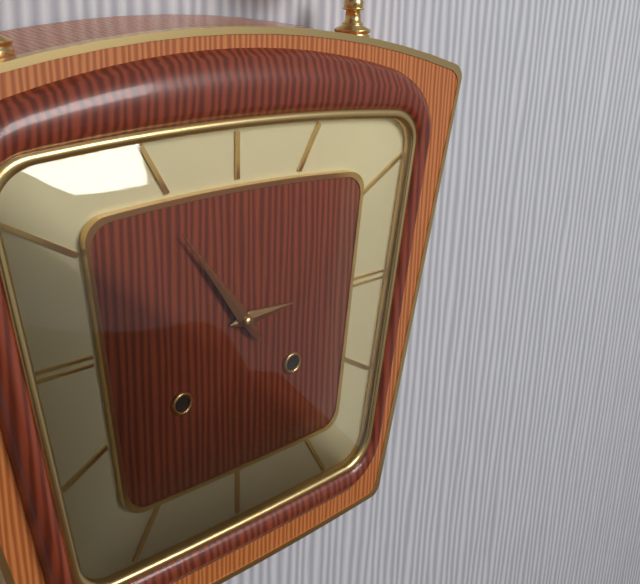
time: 2:54
